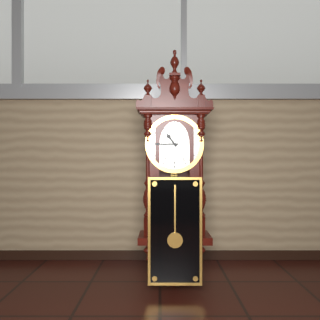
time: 10:45
